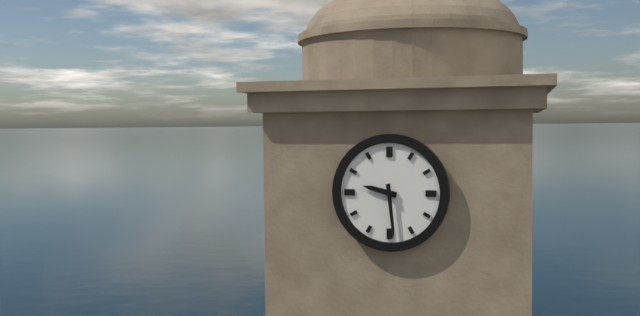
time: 9:29
